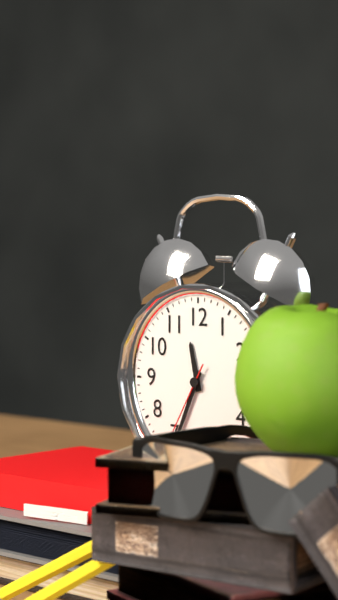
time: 11:34:35
